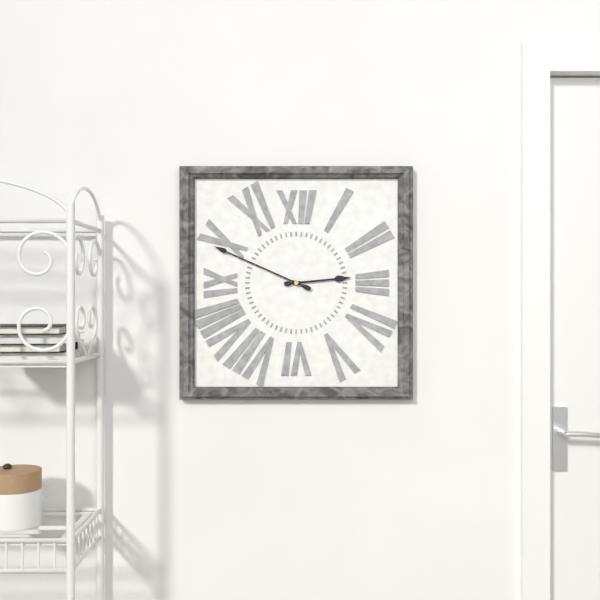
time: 2:49
